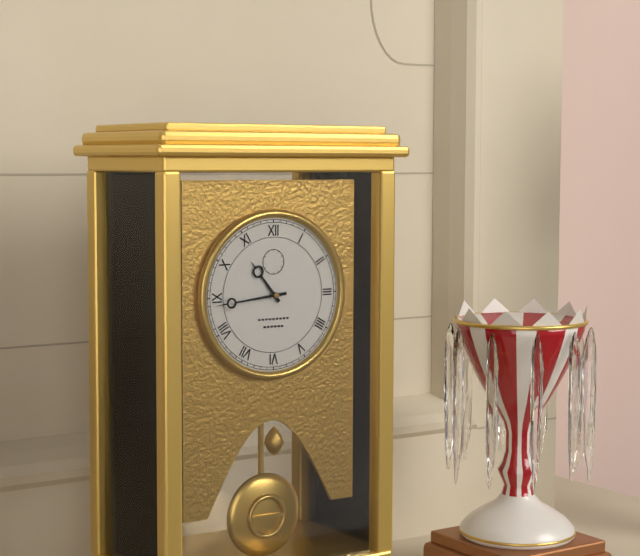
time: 10:44
